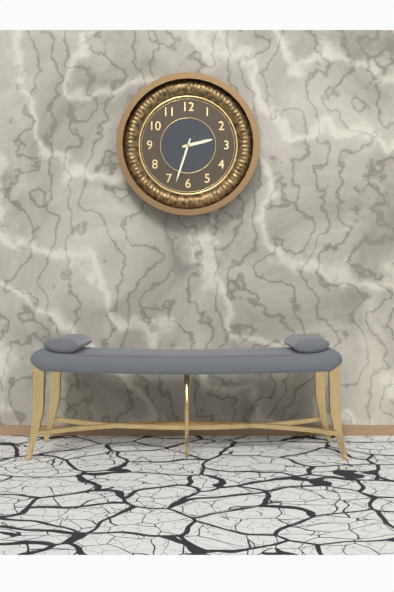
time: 2:33
